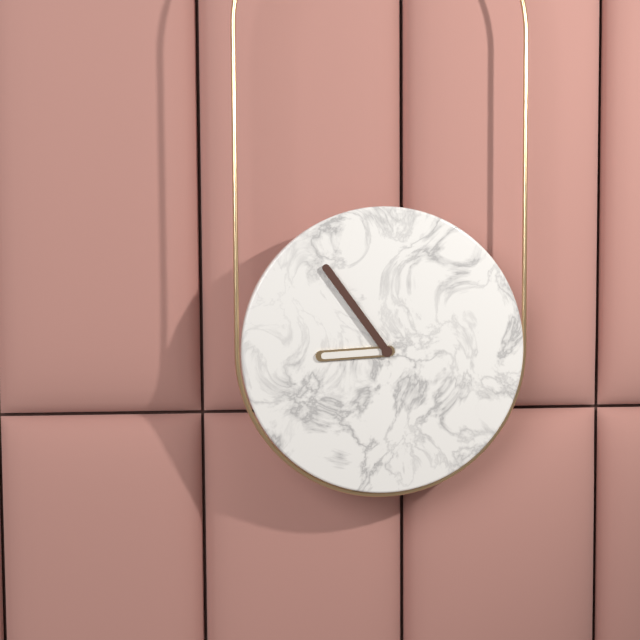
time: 8:54
